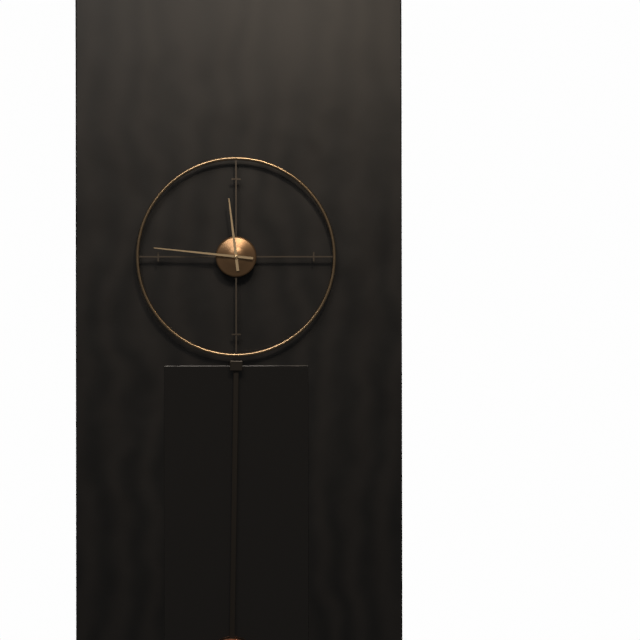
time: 11:46
